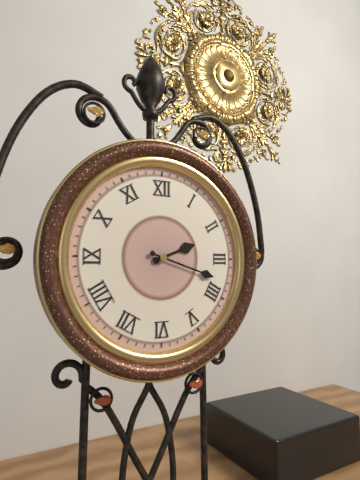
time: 2:18
